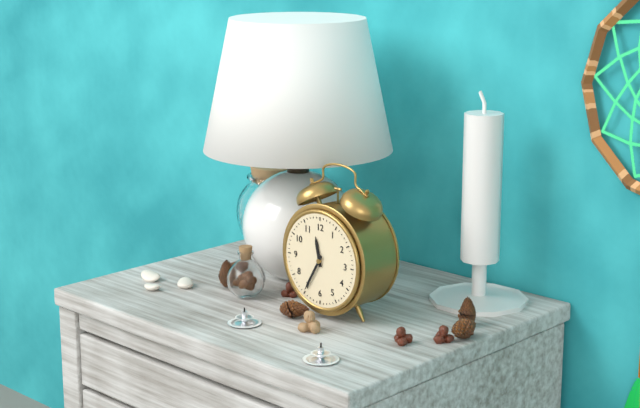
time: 11:35
